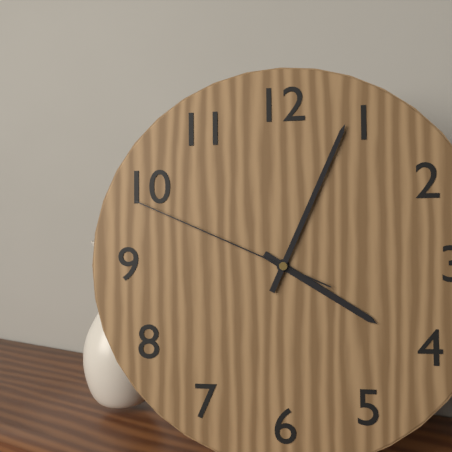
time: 4:04:49
